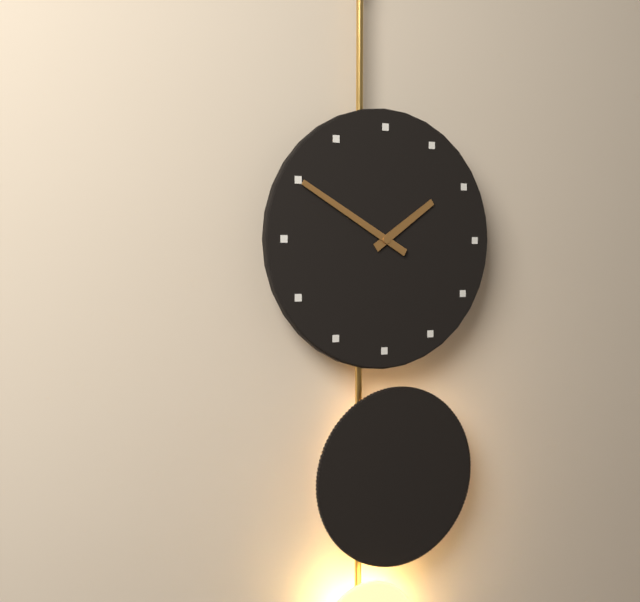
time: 1:50
